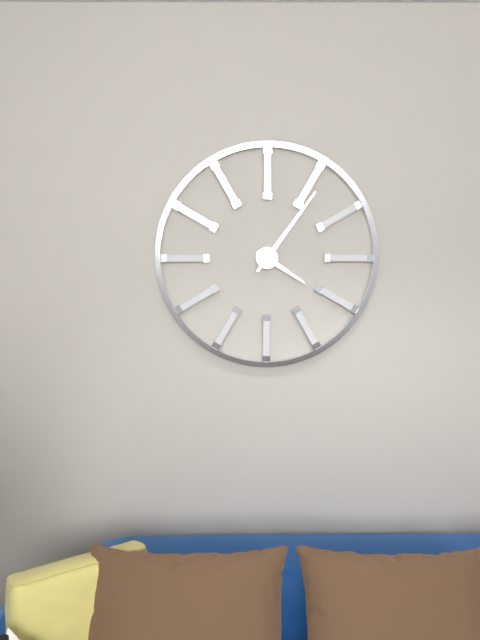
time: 4:06
